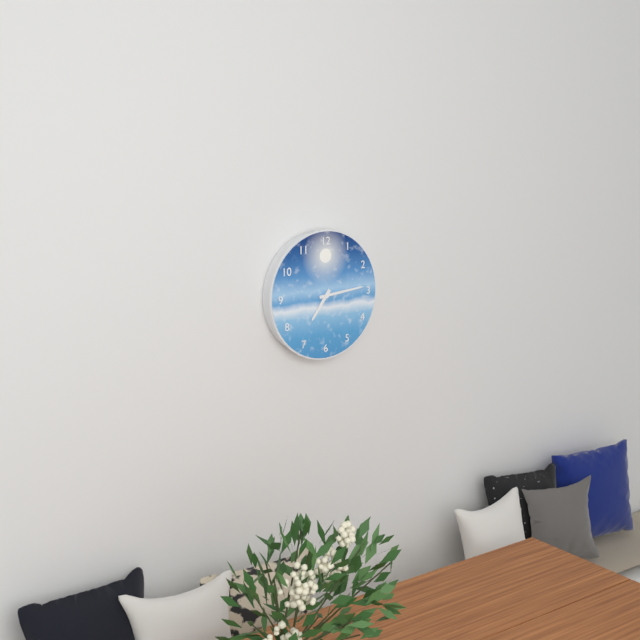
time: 7:14
